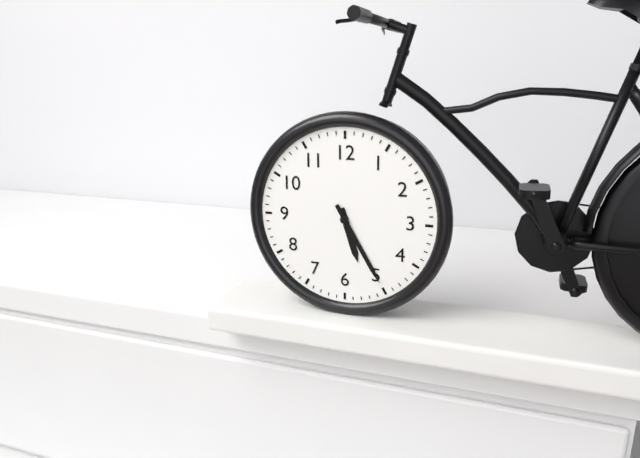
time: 5:25
